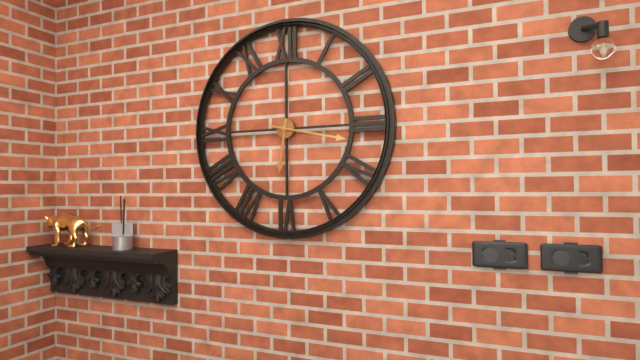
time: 6:17
